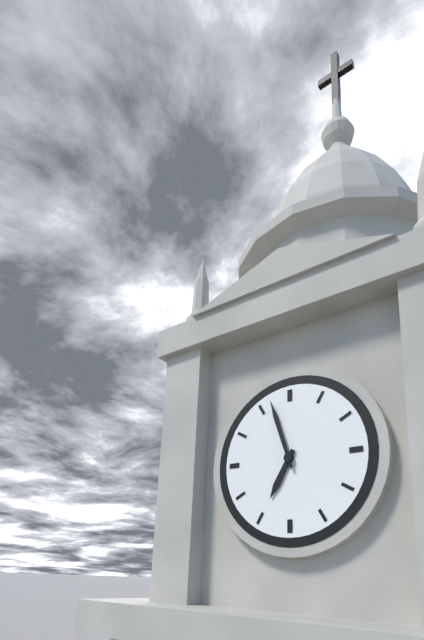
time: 6:57
